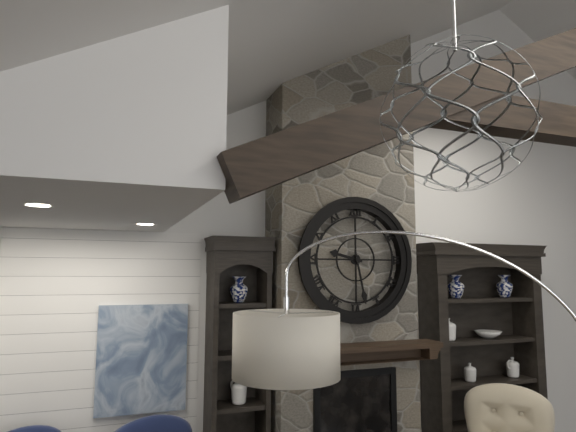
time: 9:28
